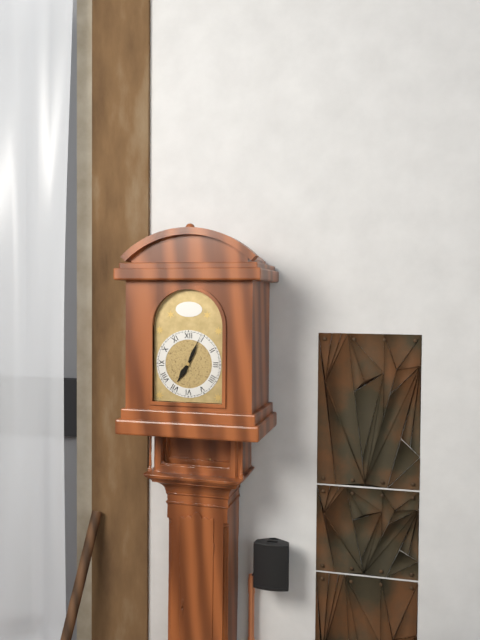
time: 7:04
